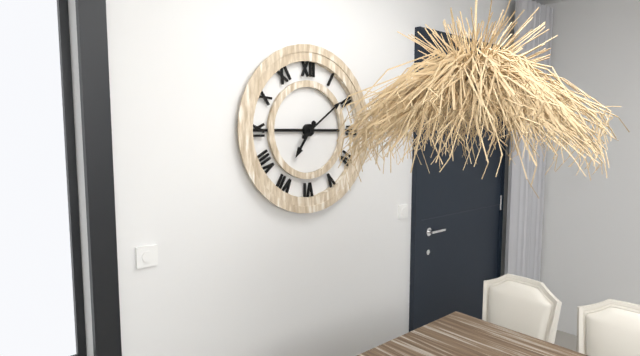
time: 7:09
